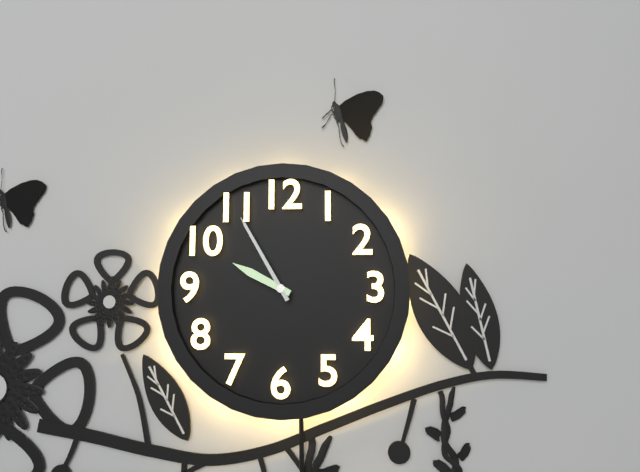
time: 9:55
